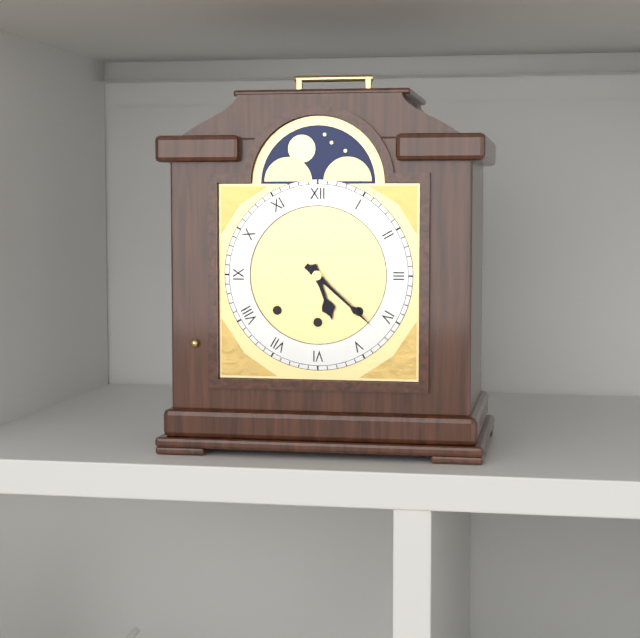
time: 5:22
